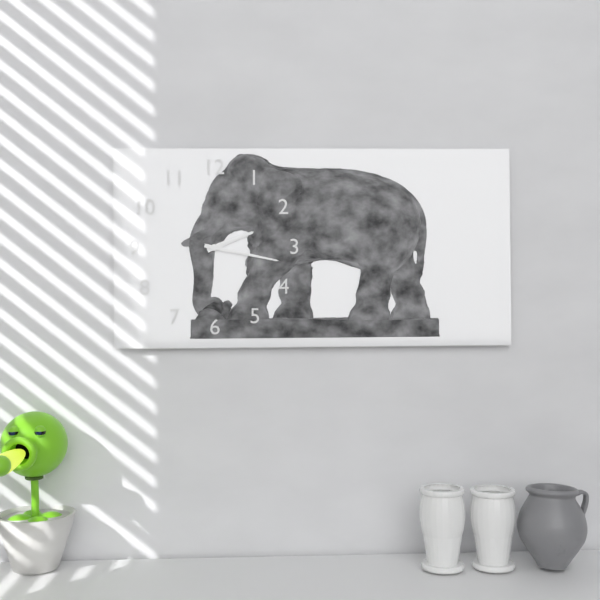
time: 2:17
